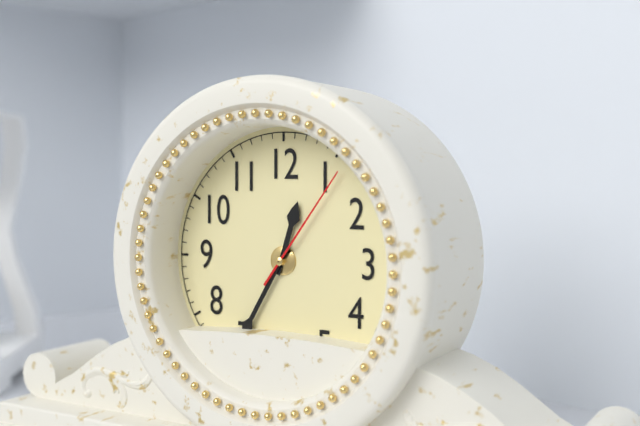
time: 12:35:06
